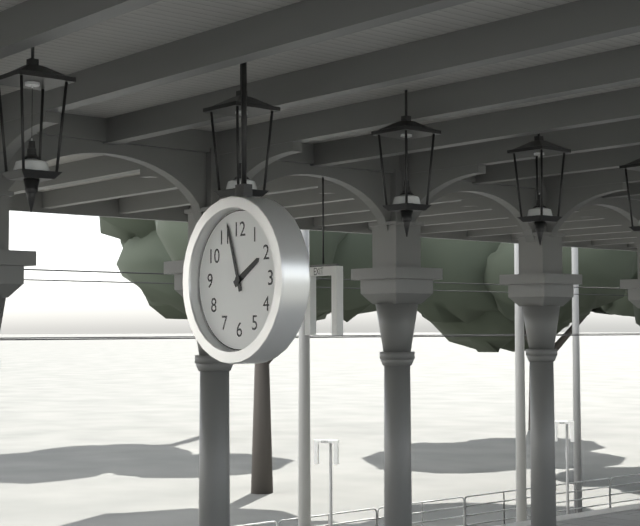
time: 1:57
